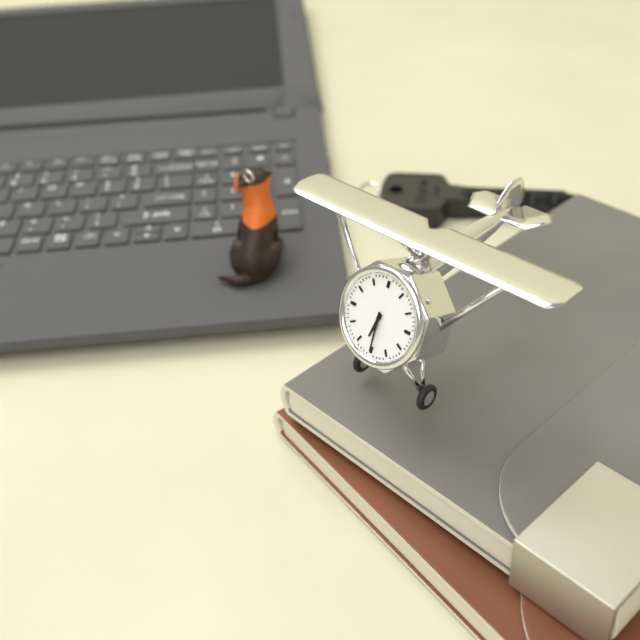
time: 6:30
